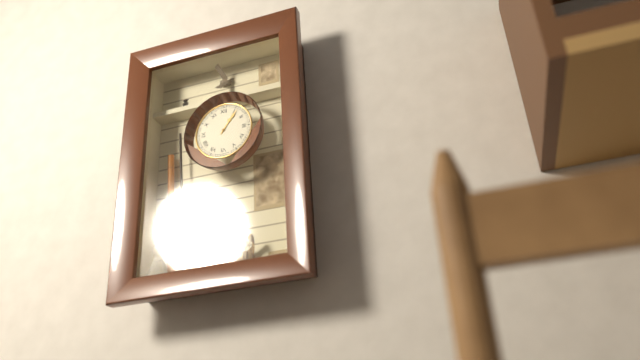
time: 1:06
